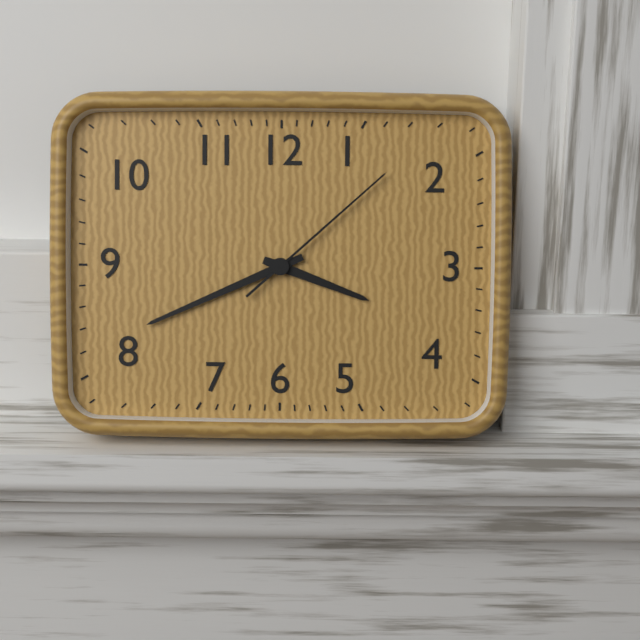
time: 3:41:08
